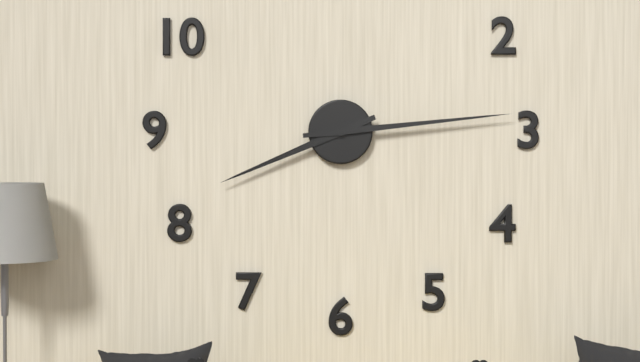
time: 8:14
